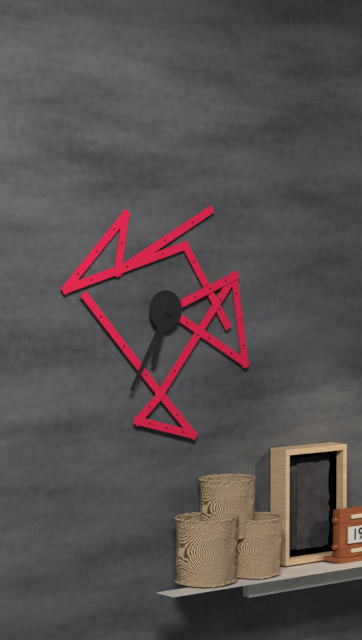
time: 6:35
